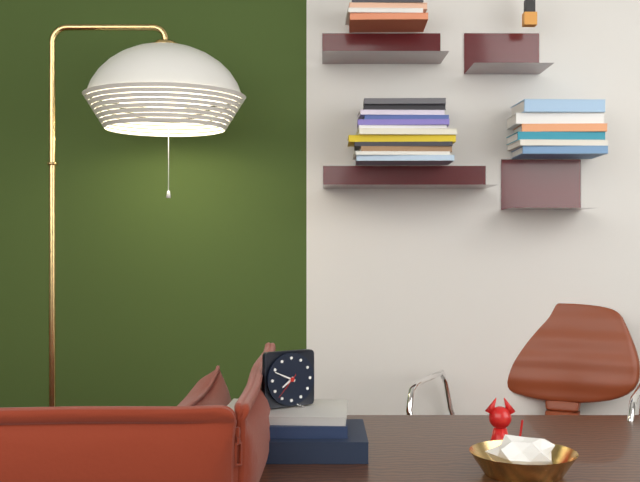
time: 7:49
